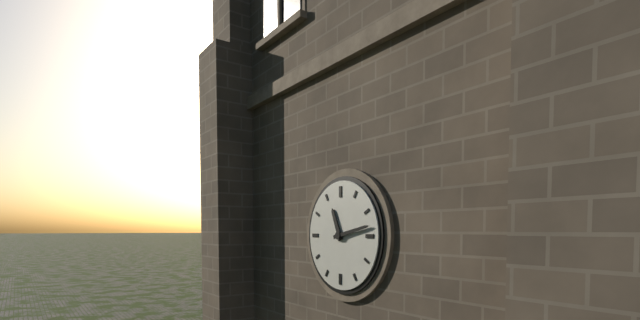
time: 11:13
